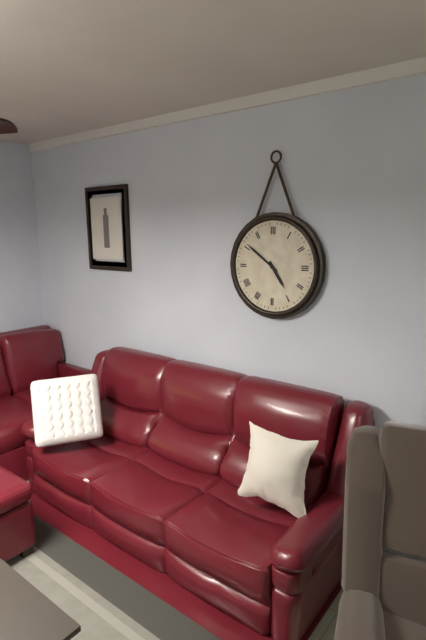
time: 4:51
